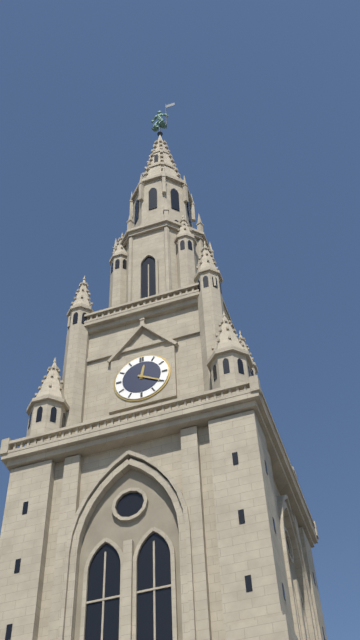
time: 12:20
